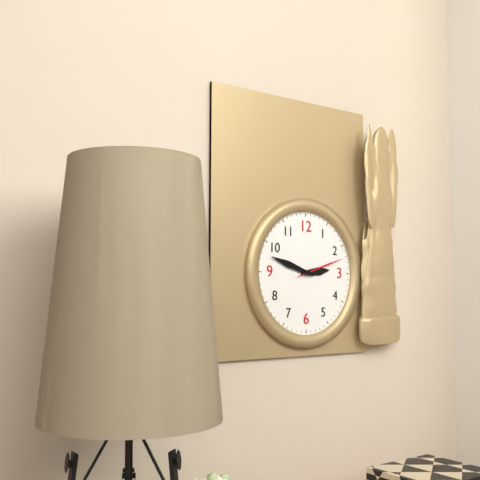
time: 2:48
